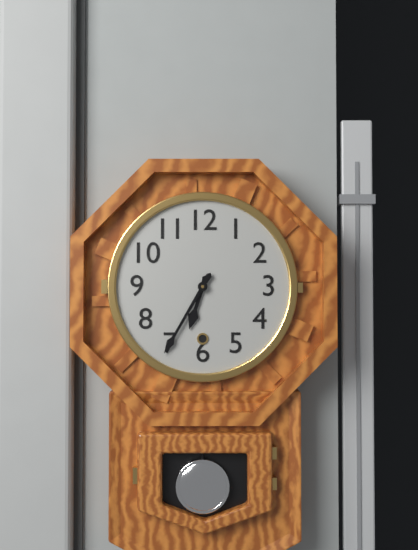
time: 6:35
